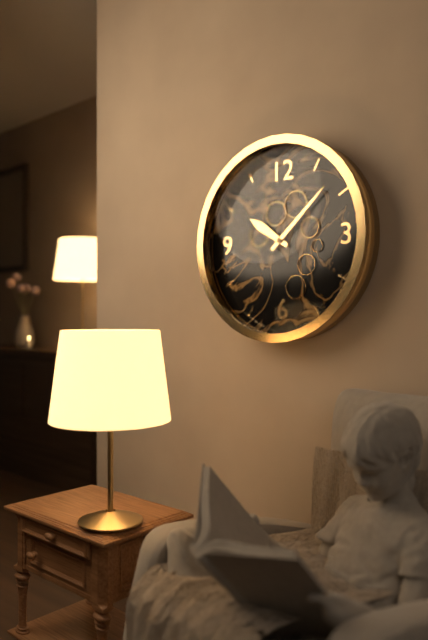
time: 10:08
